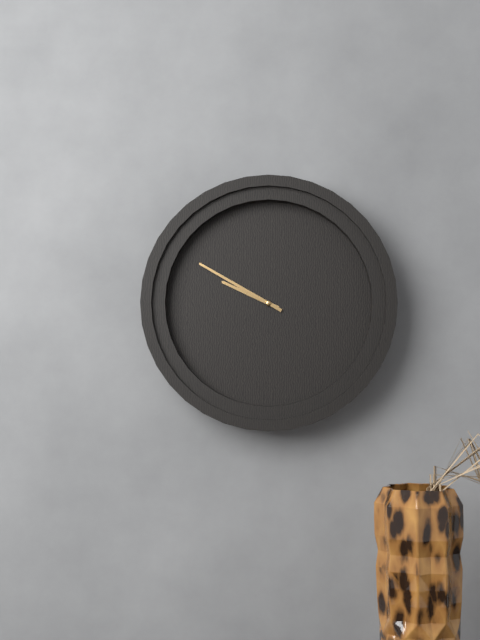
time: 9:50
